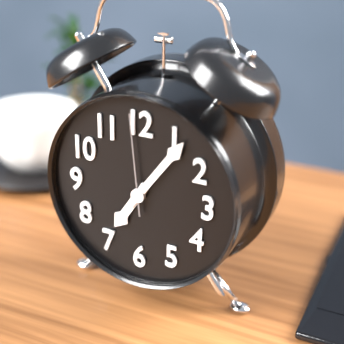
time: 7:06:59
